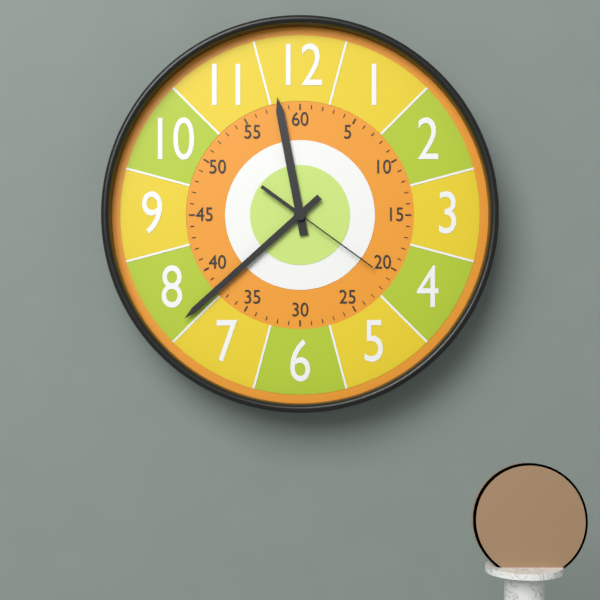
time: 11:38:21
